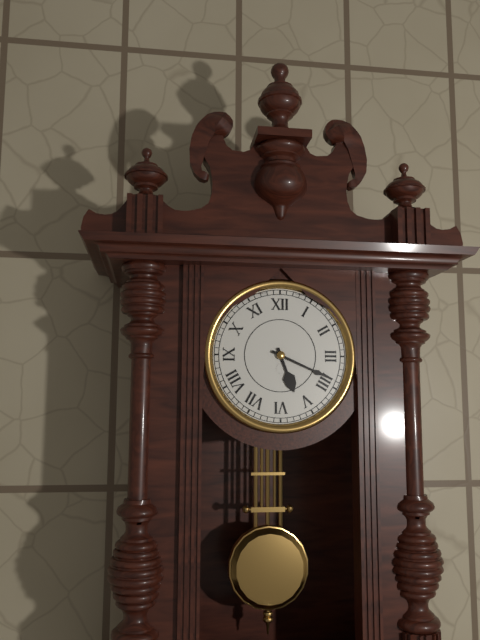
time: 5:19
